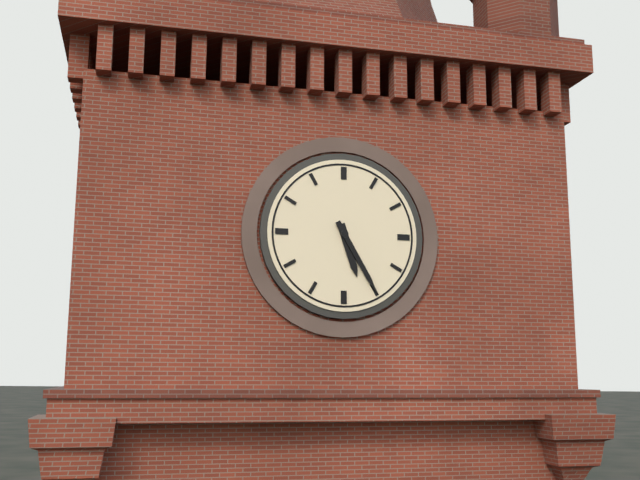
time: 5:25
